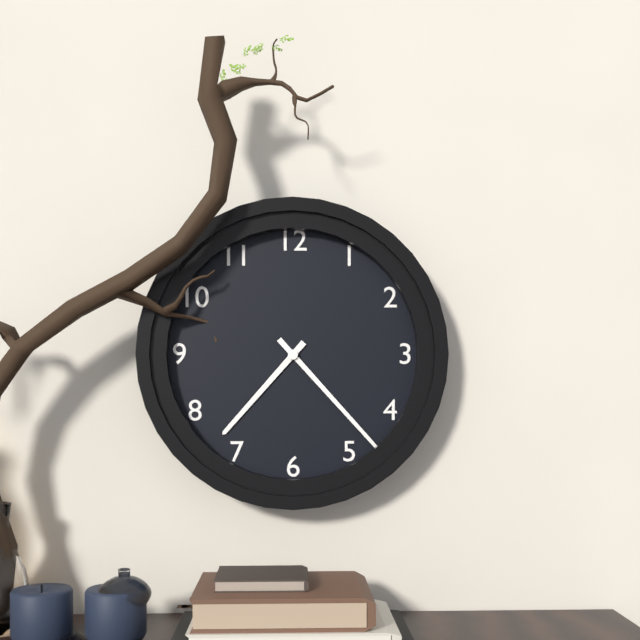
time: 7:23
